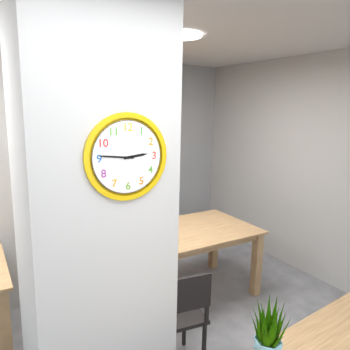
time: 2:46
